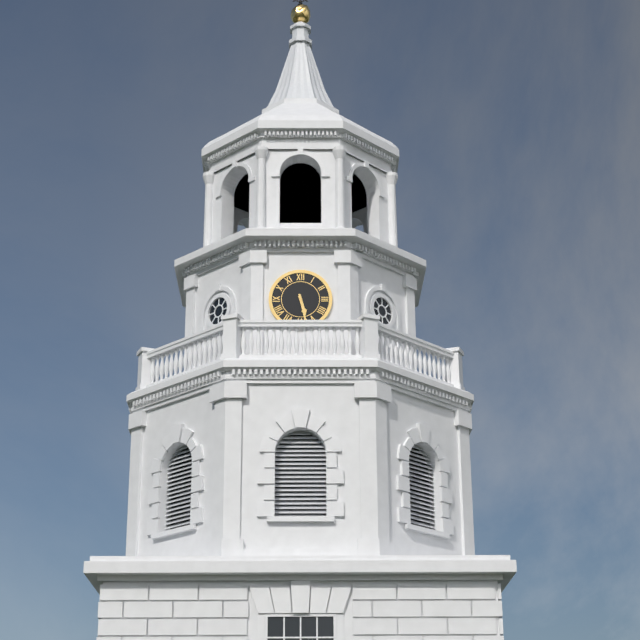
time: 5:28
